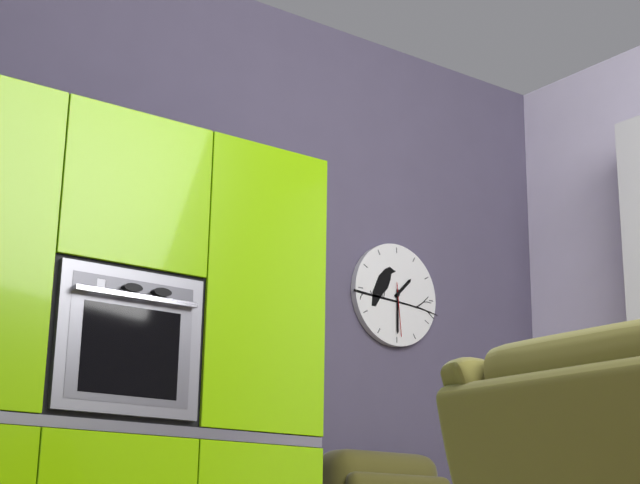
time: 1:30:29
